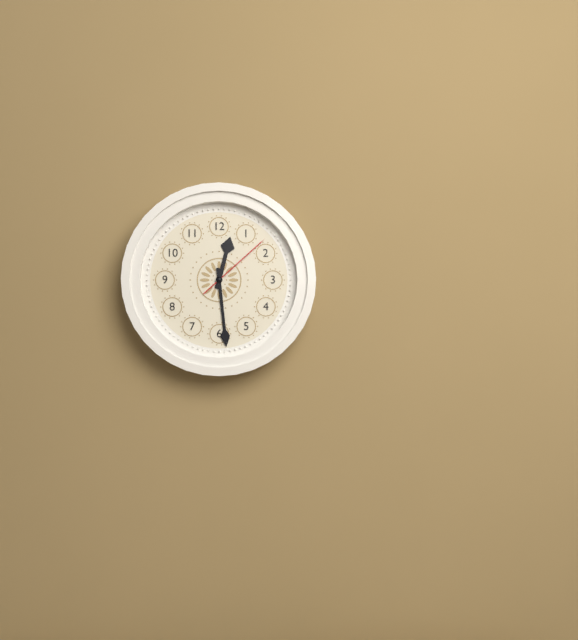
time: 12:29:08
